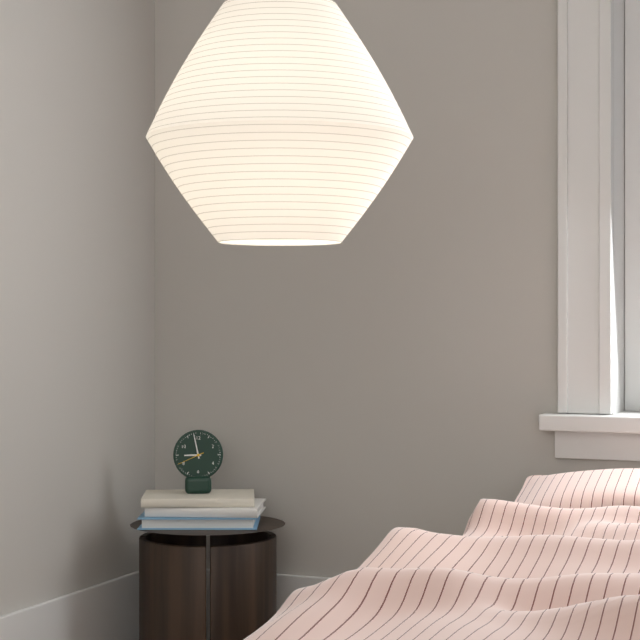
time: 8:58
